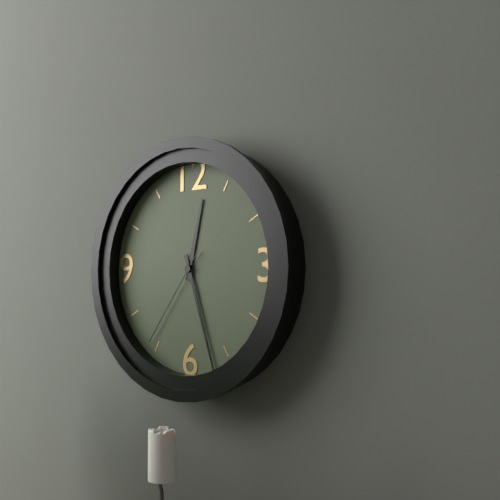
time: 12:27:36
